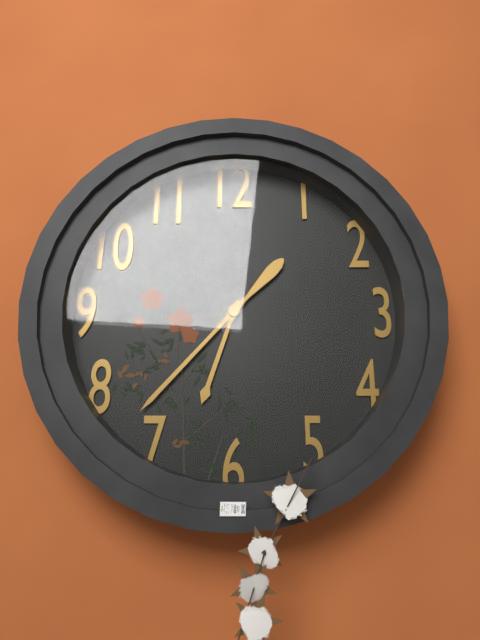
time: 6:37
